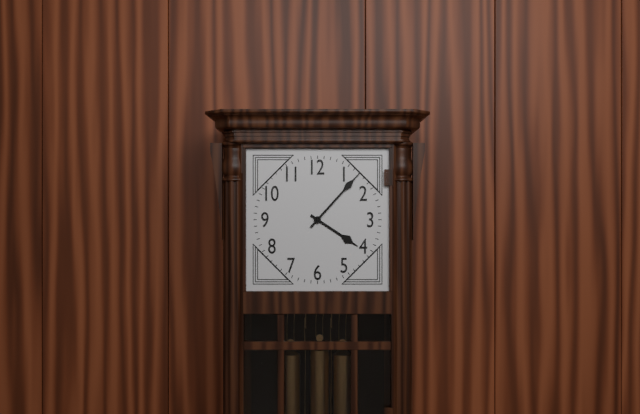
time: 4:07
